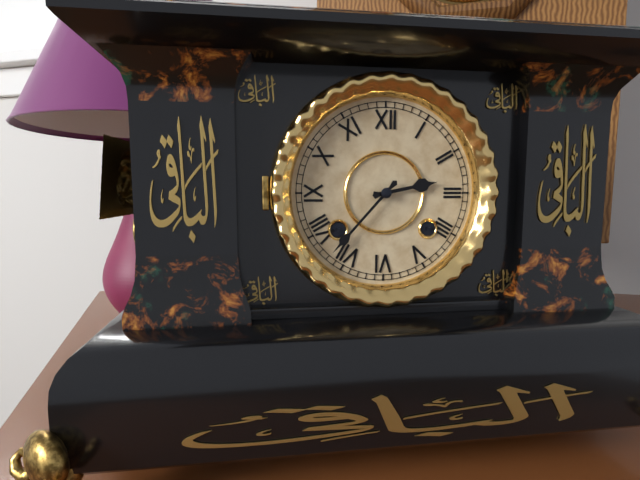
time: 2:37
